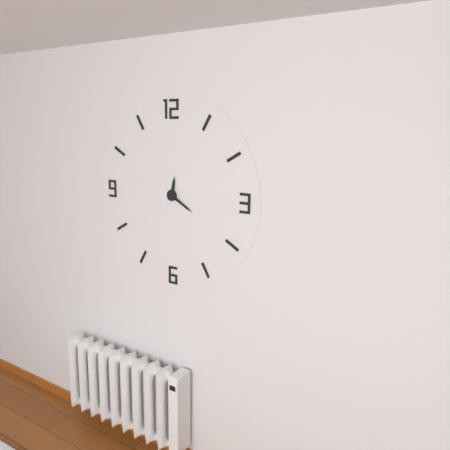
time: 12:20
